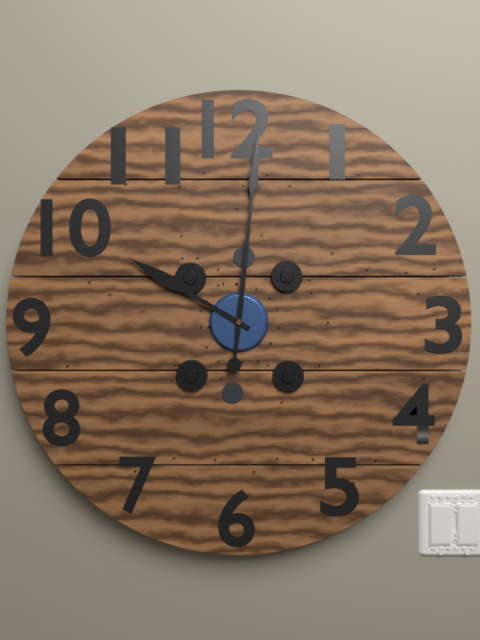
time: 10:01
